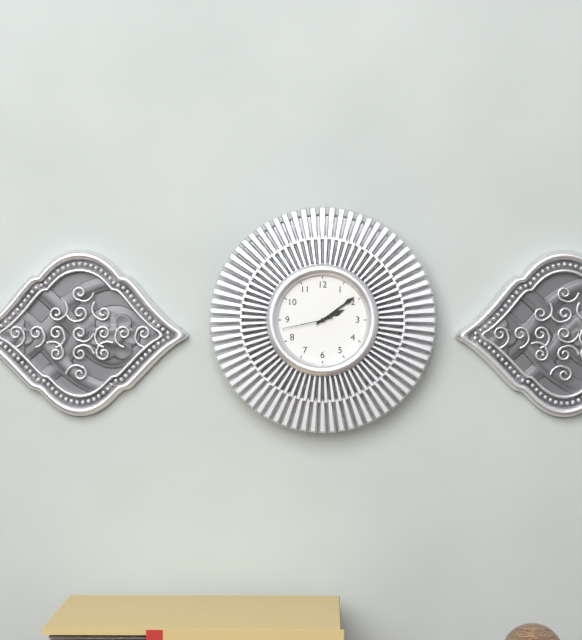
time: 2:09:43
